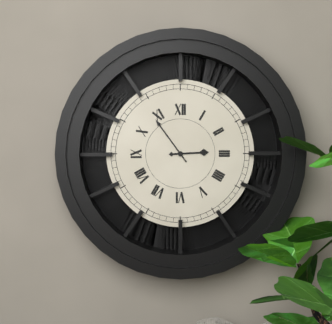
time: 2:54
